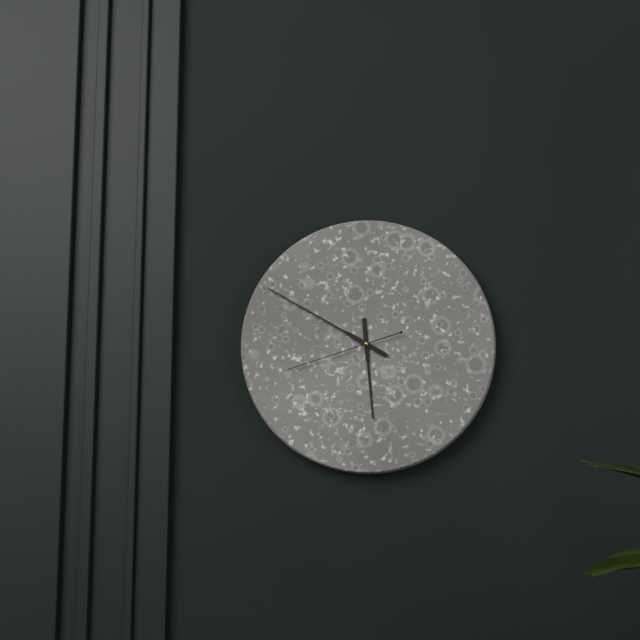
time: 5:50:42
